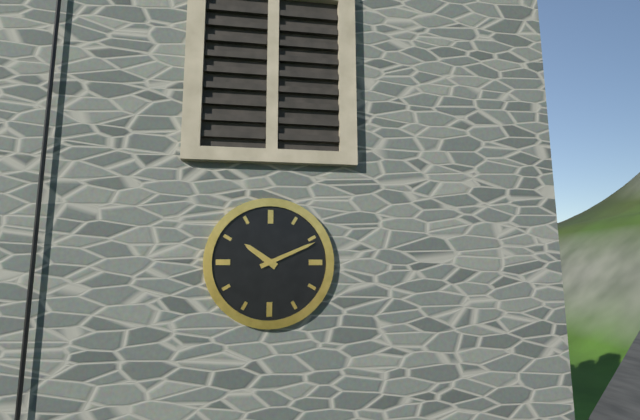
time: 10:11
